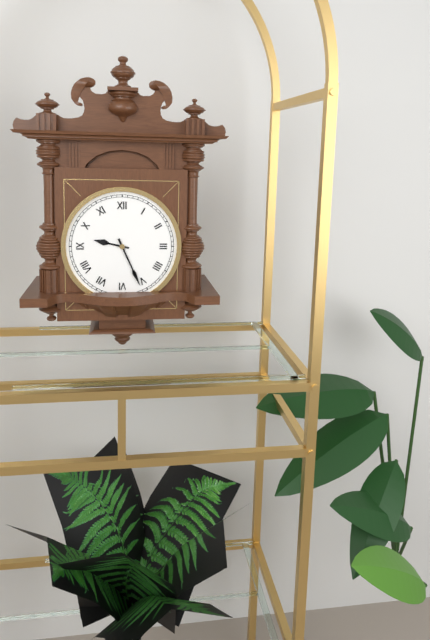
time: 9:26
